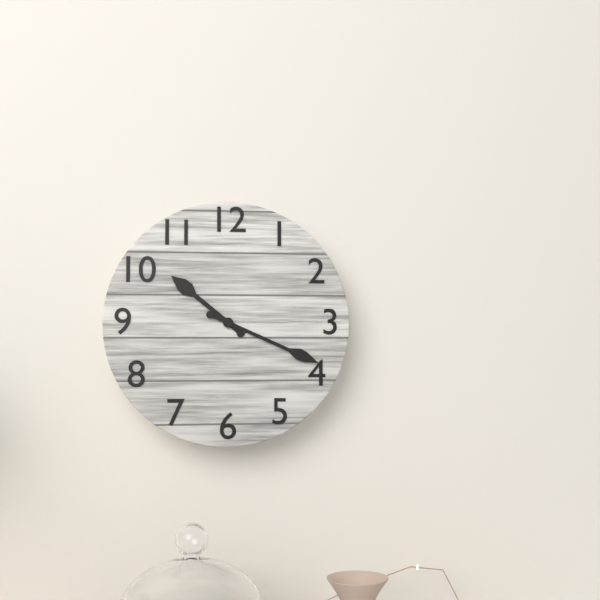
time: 10:19
